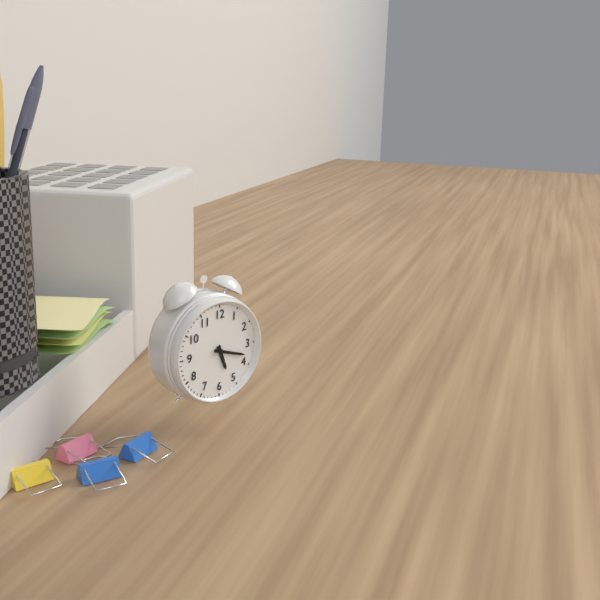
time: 5:18
